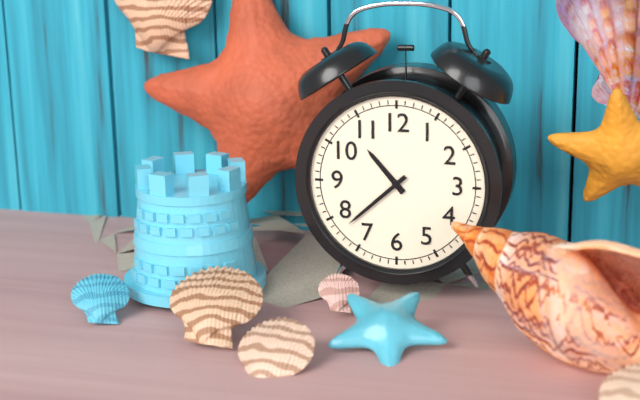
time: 10:38
